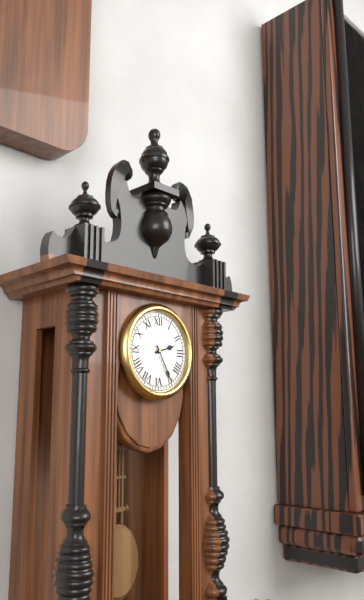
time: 2:25
